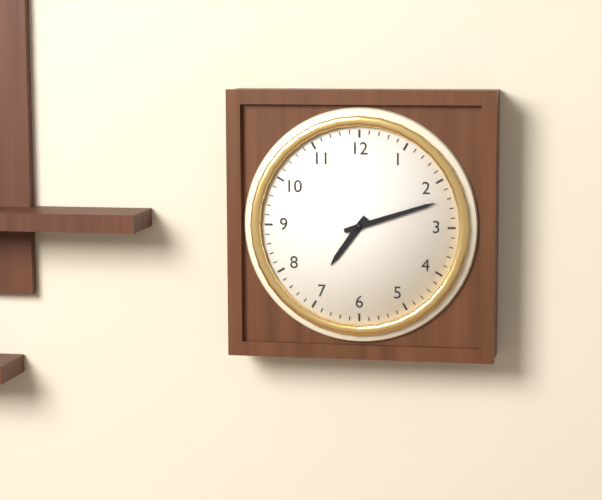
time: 7:12
